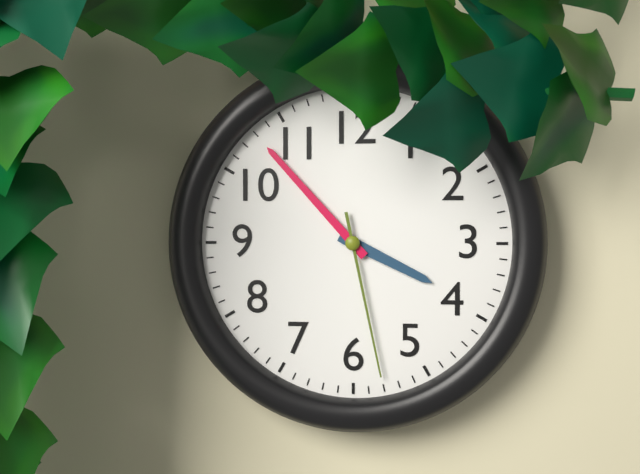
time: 3:53:28
